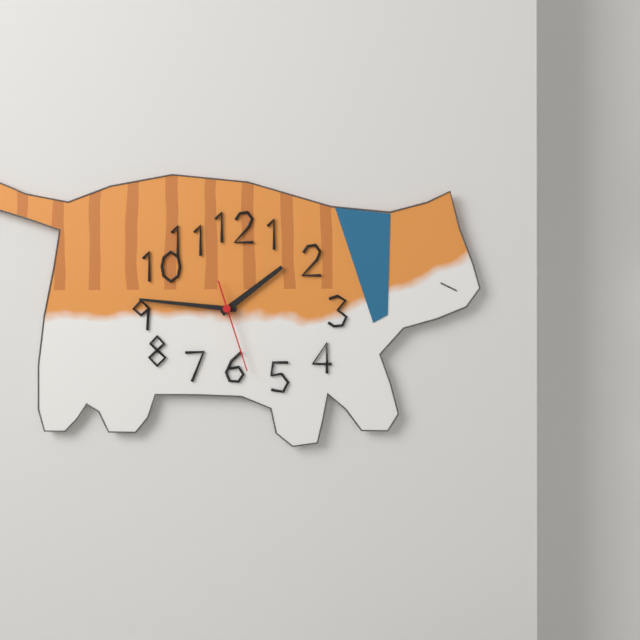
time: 1:46:27
